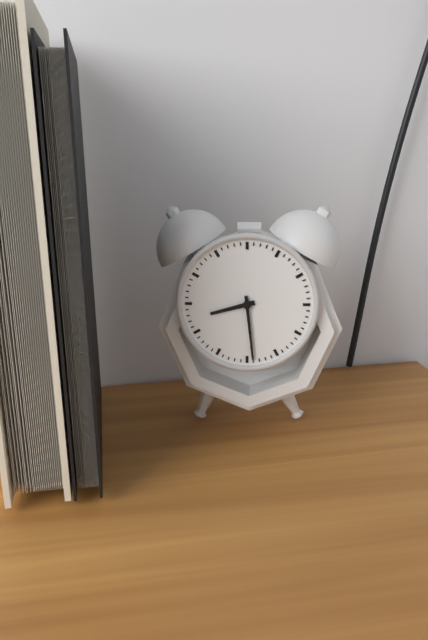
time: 8:29
